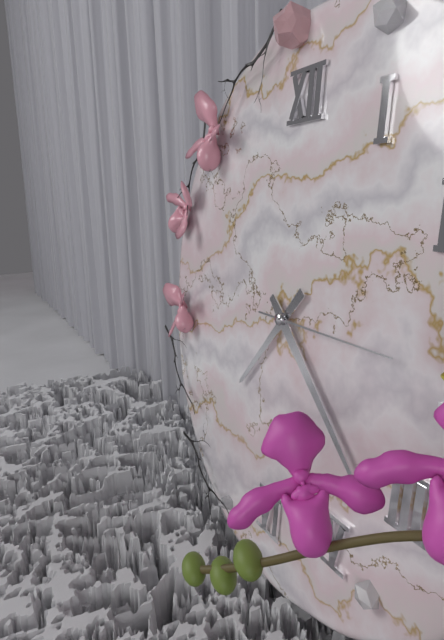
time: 7:22:15
